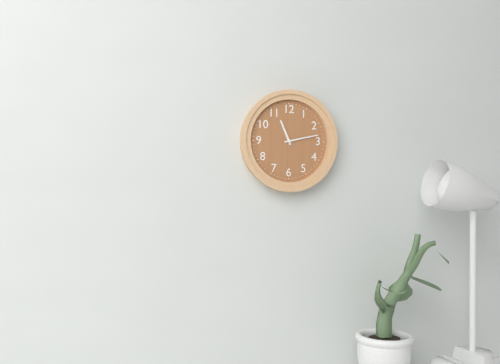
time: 11:13
